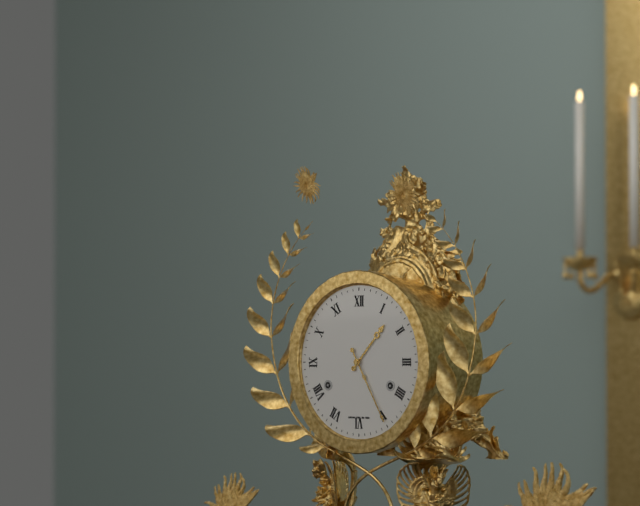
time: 1:25
